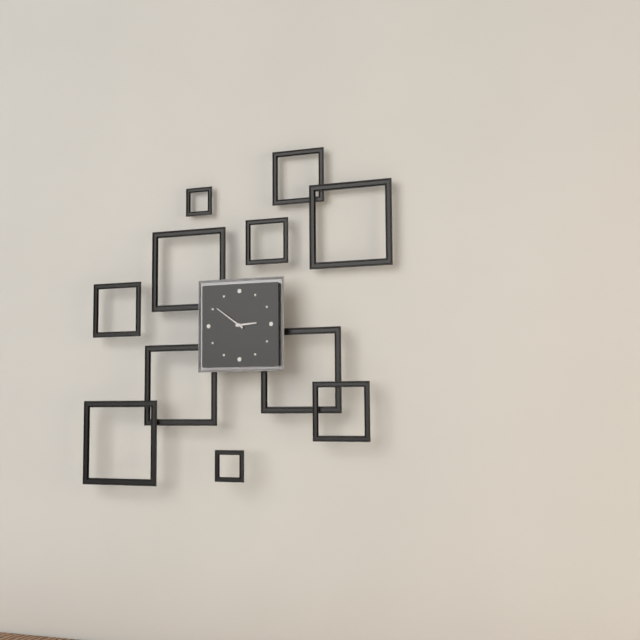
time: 2:51
